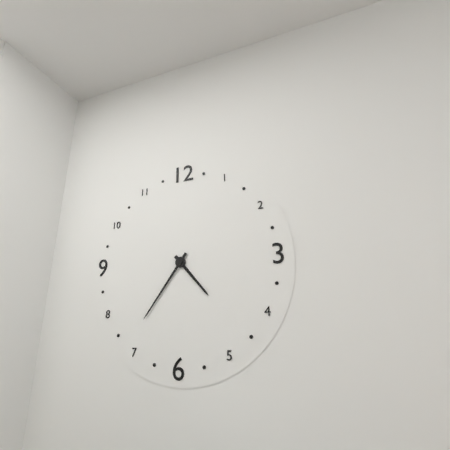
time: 4:36
